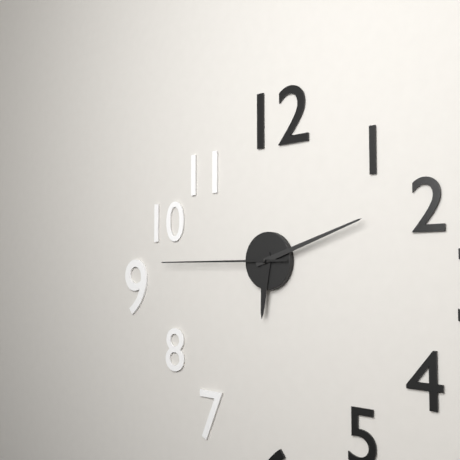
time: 6:12:45
